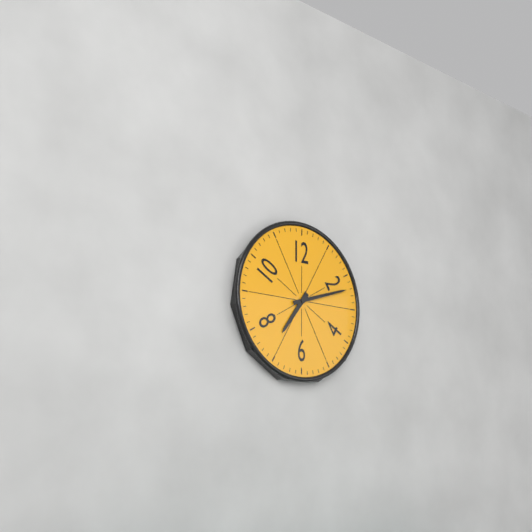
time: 7:12
